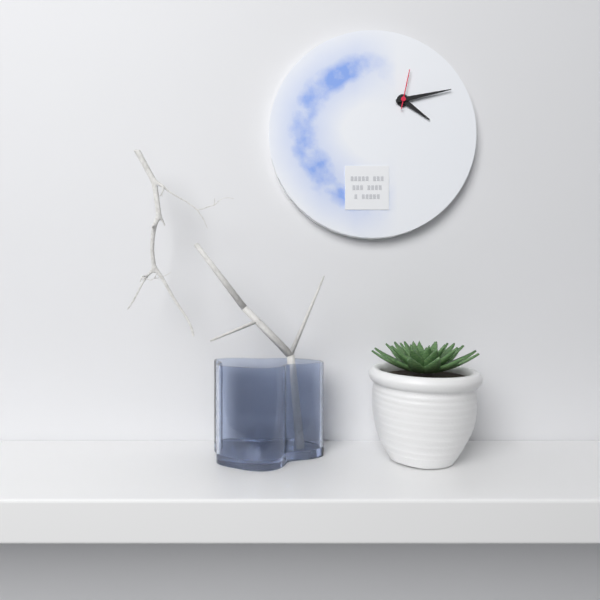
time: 4:13
